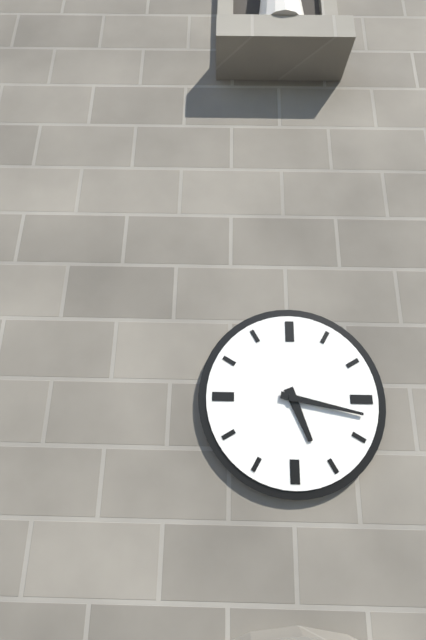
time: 5:17
